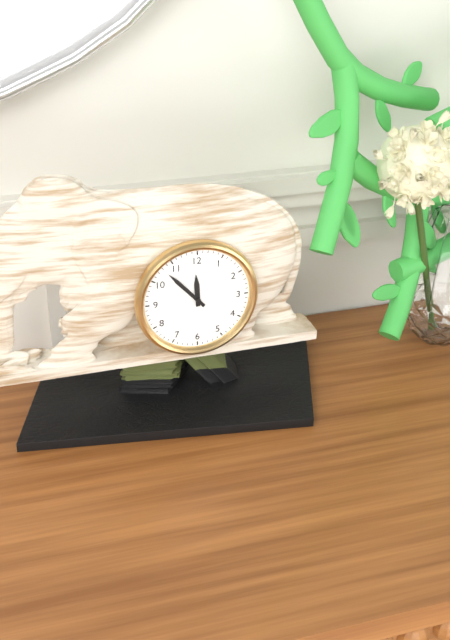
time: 11:53
